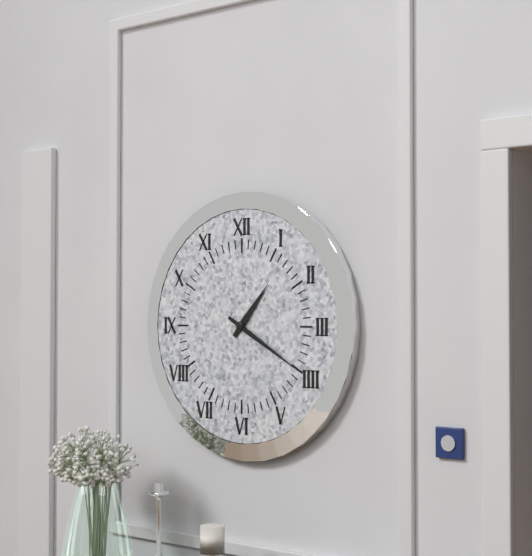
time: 1:20
